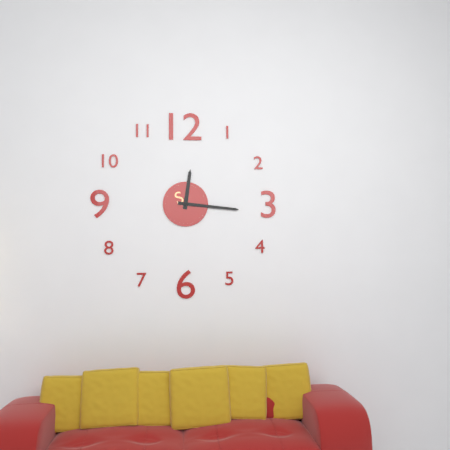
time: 12:16
